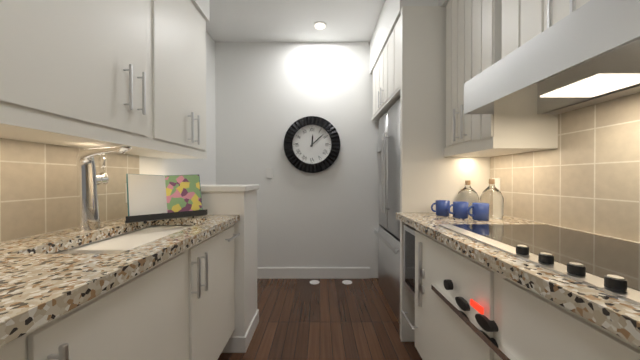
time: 12:08
